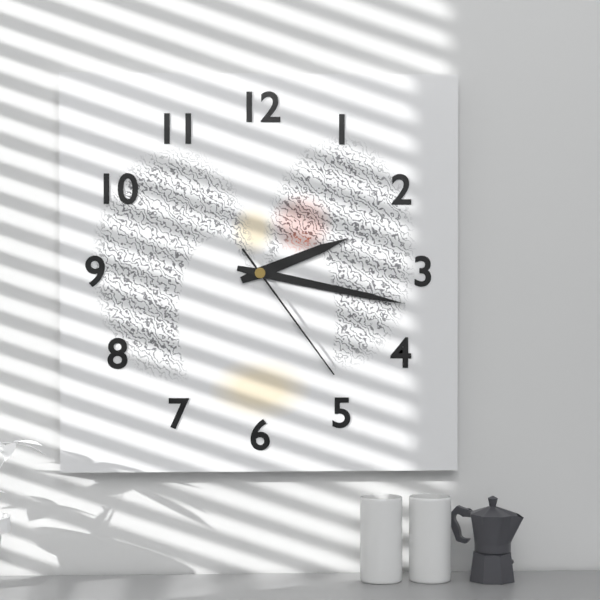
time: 2:17:24
